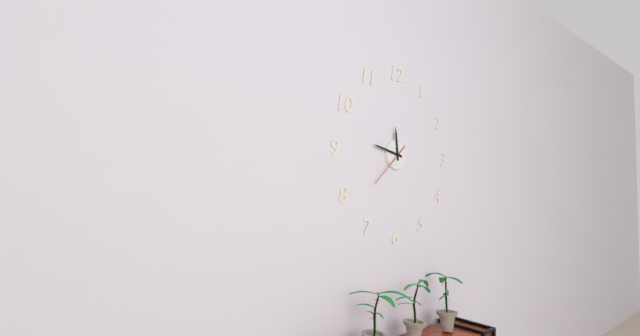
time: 11:47
